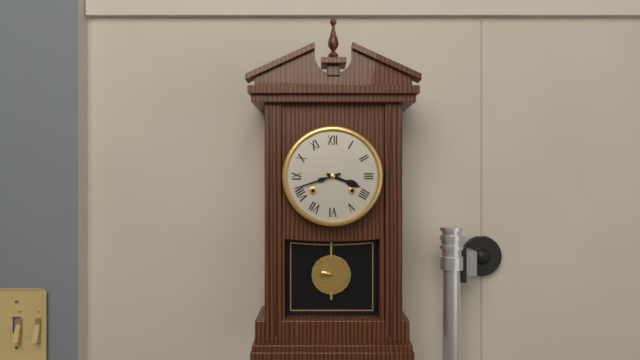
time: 3:42
